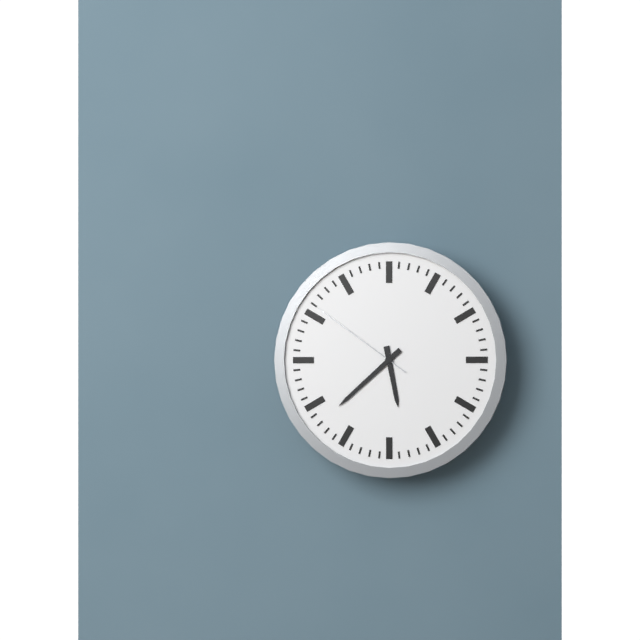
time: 5:38:51
